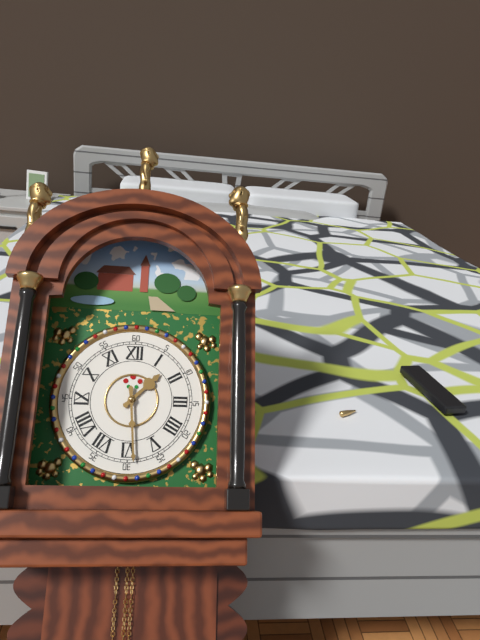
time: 1:29
